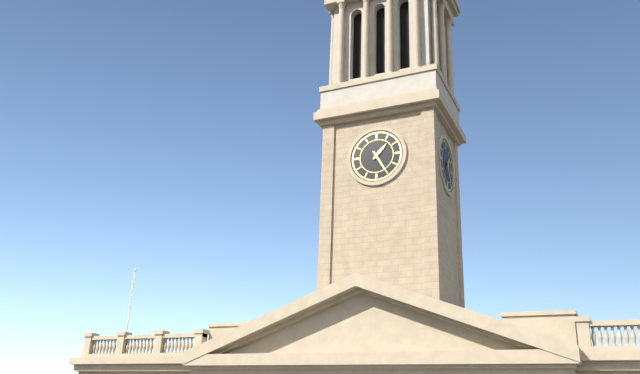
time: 1:25
